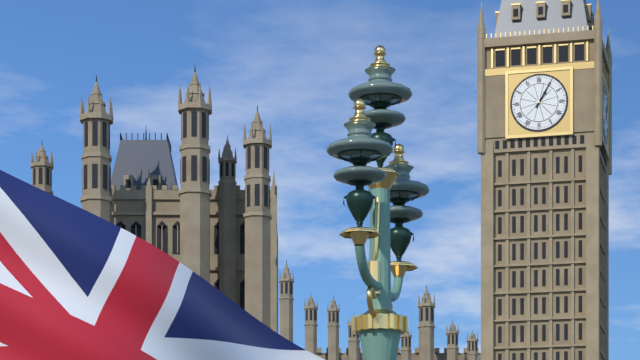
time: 1:05
